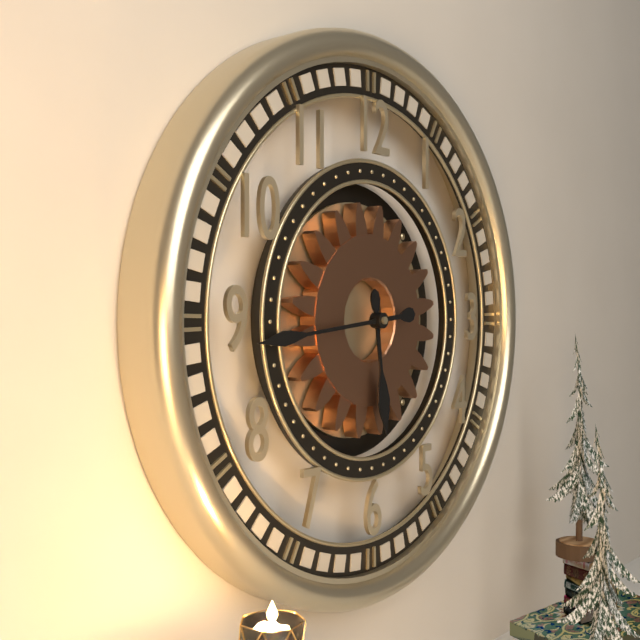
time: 5:44
